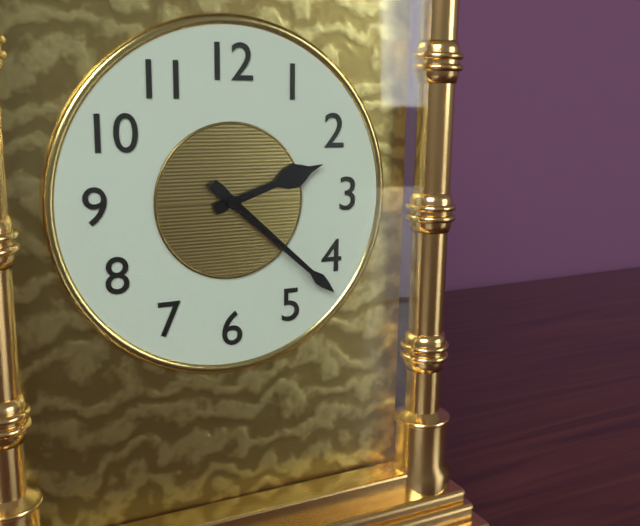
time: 2:22
